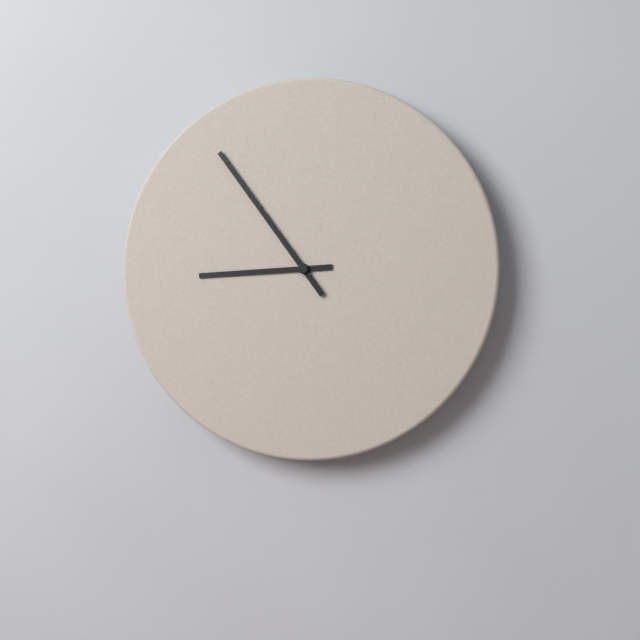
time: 8:54
